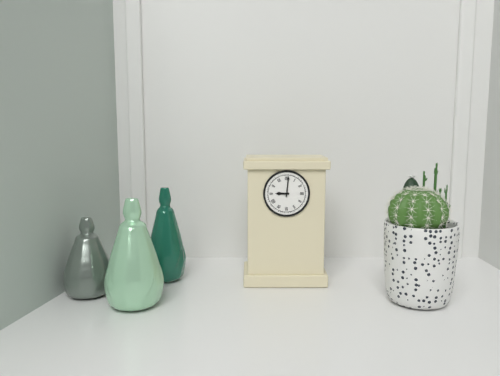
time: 9:01
